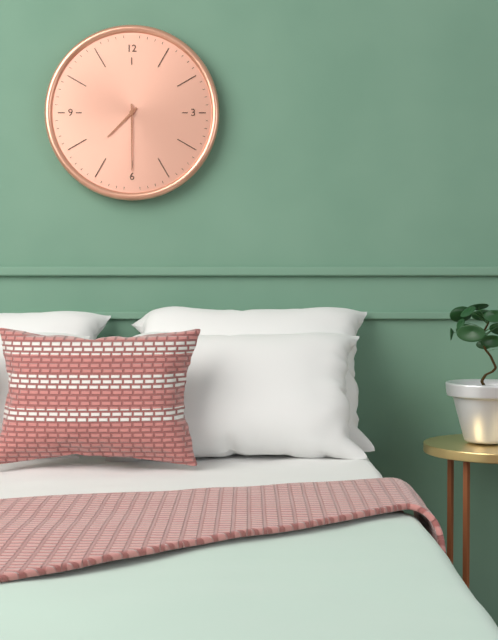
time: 7:30
